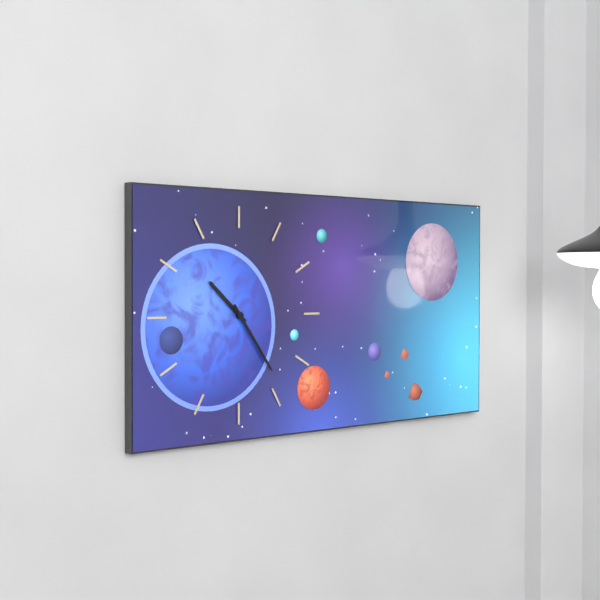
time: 10:24
